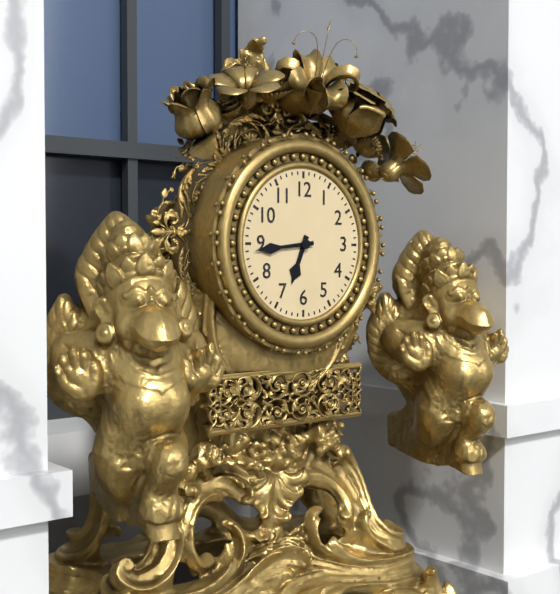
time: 6:44
